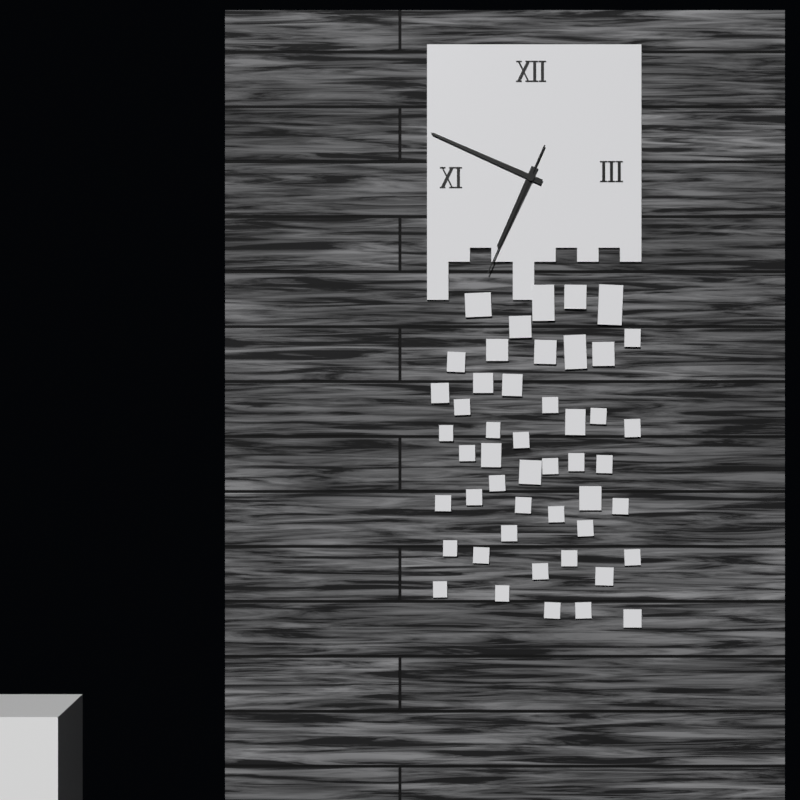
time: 6:49:34
